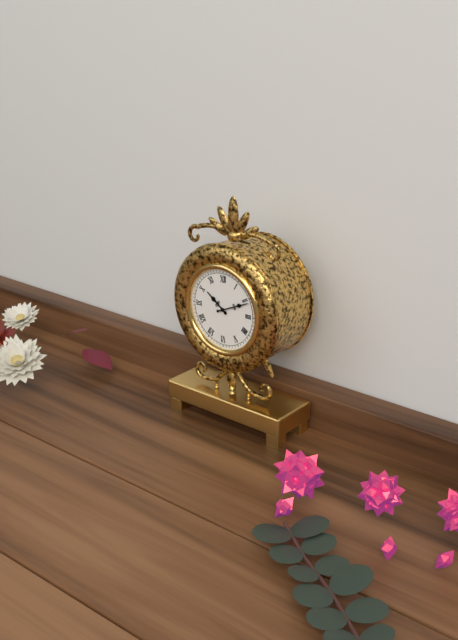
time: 10:11
